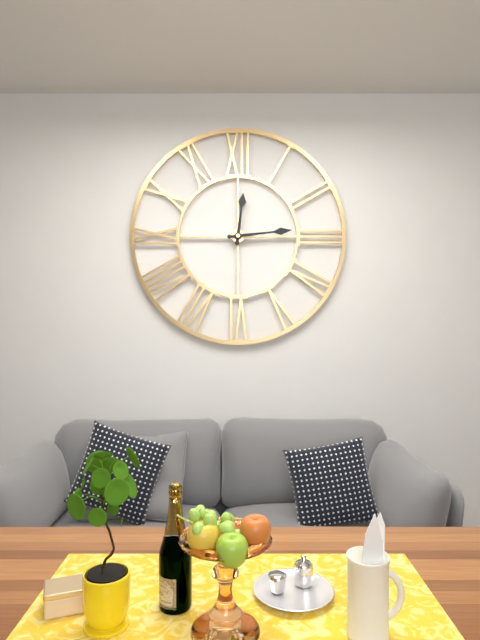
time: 12:14
